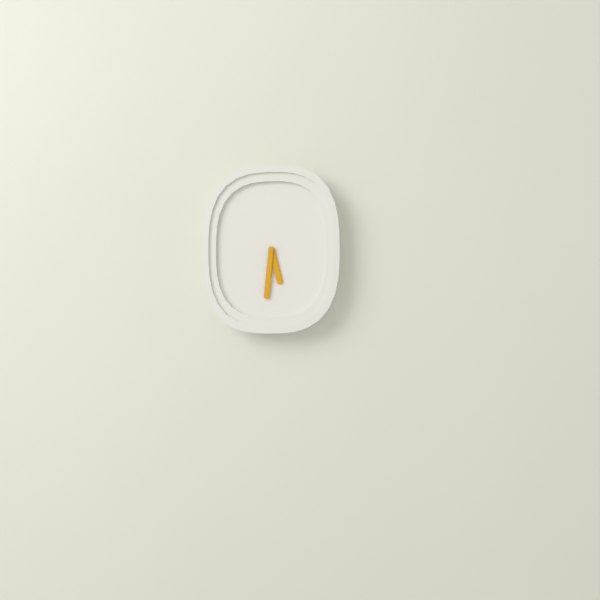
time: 5:31
